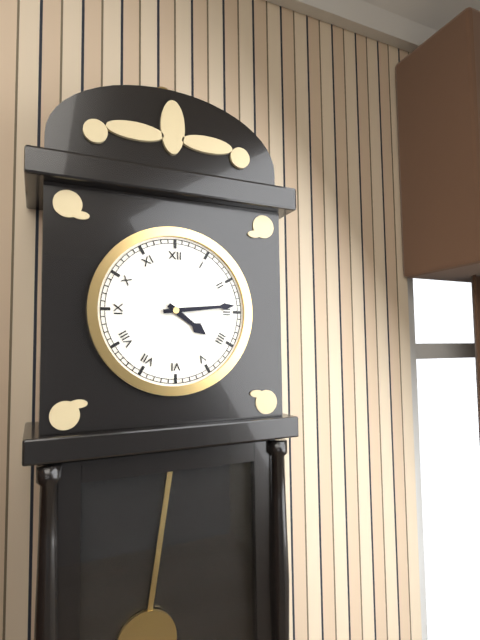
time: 4:14
